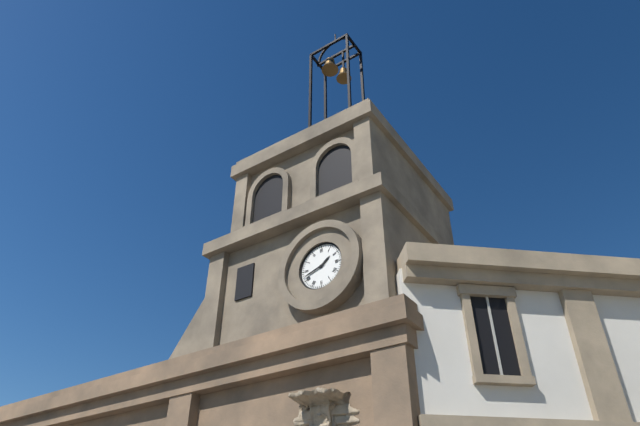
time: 1:42
